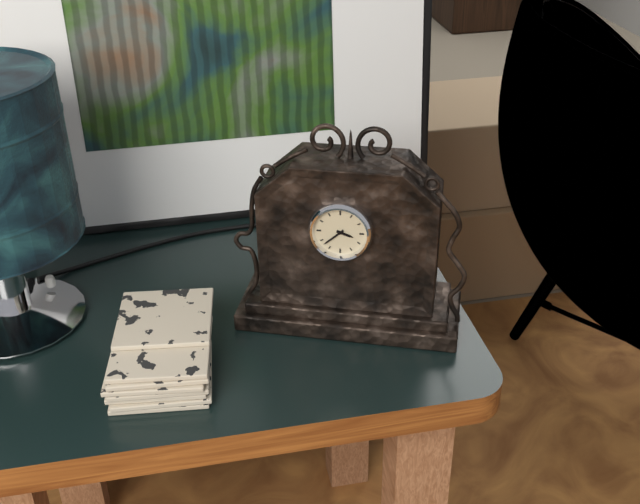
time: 3:38
